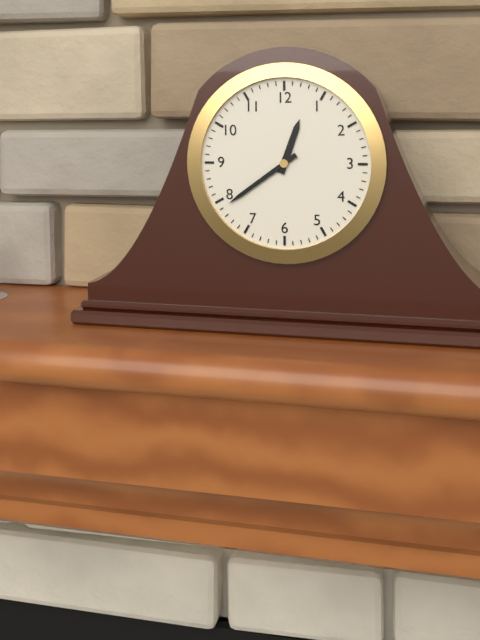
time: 12:39
